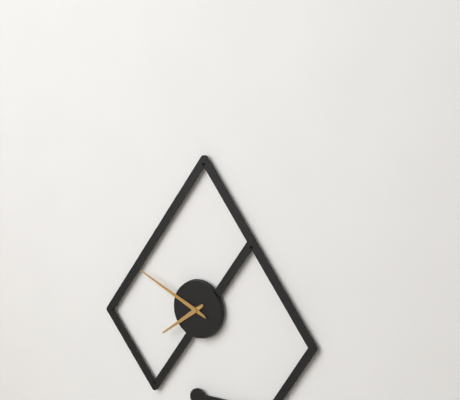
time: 7:49:49
